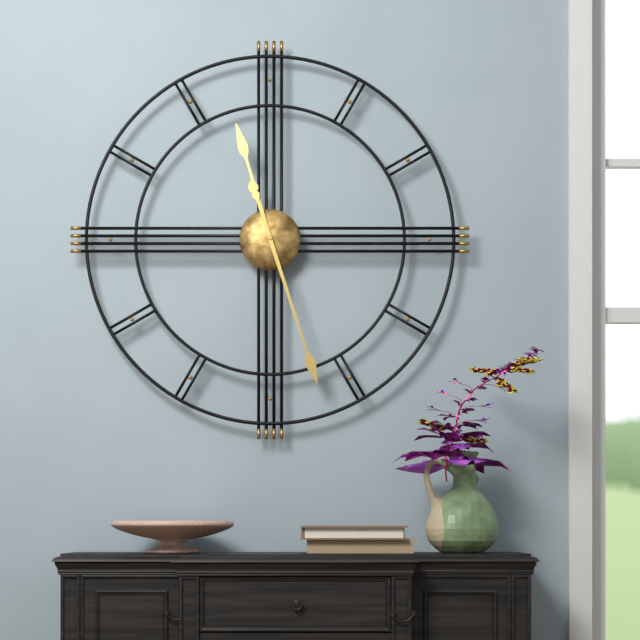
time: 11:27
